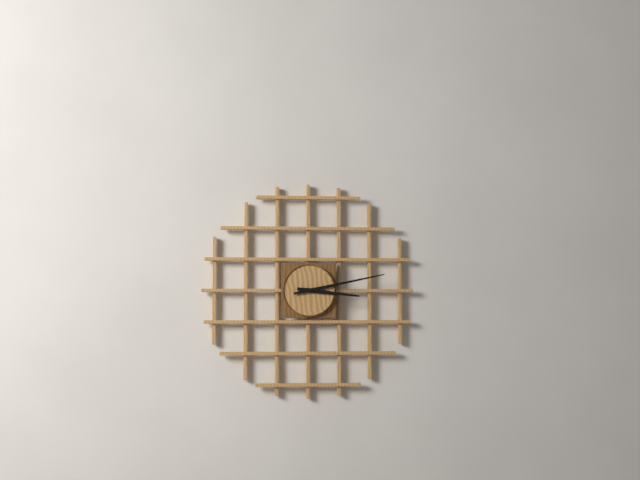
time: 3:13
